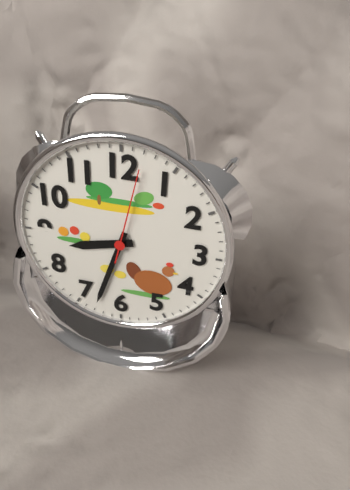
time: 8:33:02
